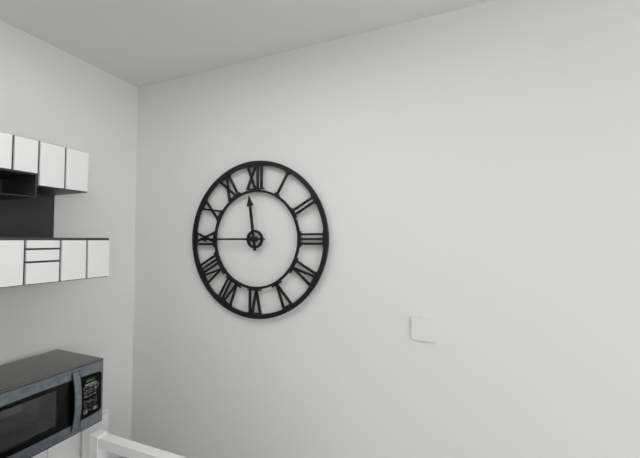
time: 11:45
